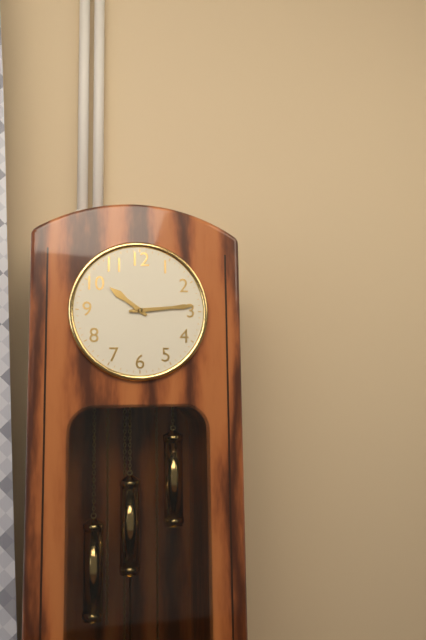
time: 10:14
